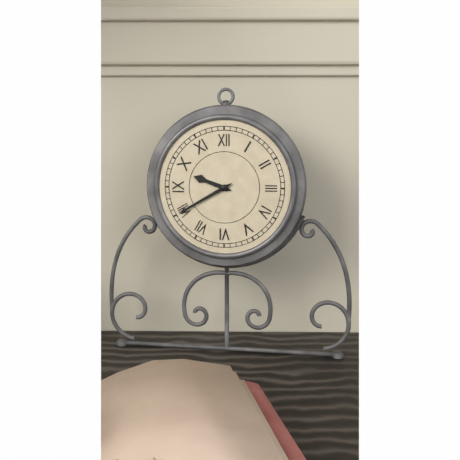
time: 9:40
